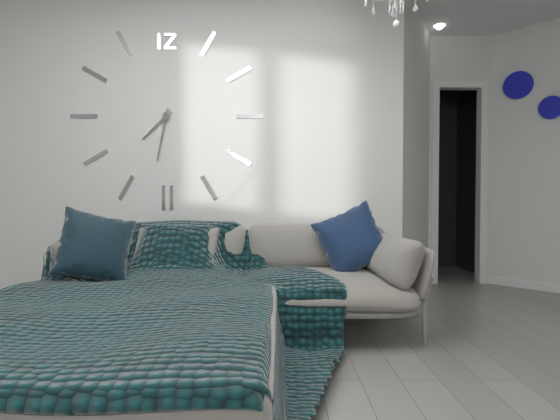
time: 7:32
